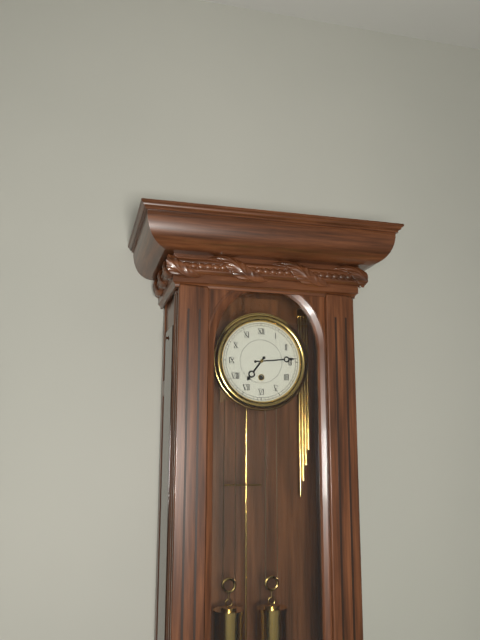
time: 7:14
